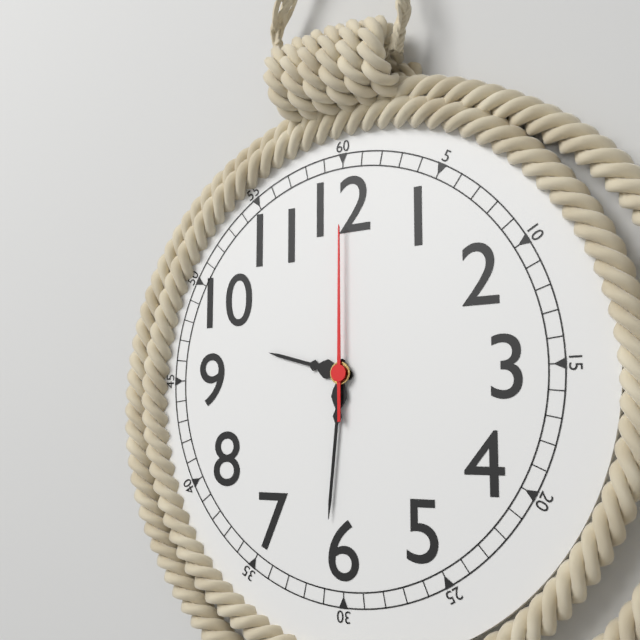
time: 9:31:00
